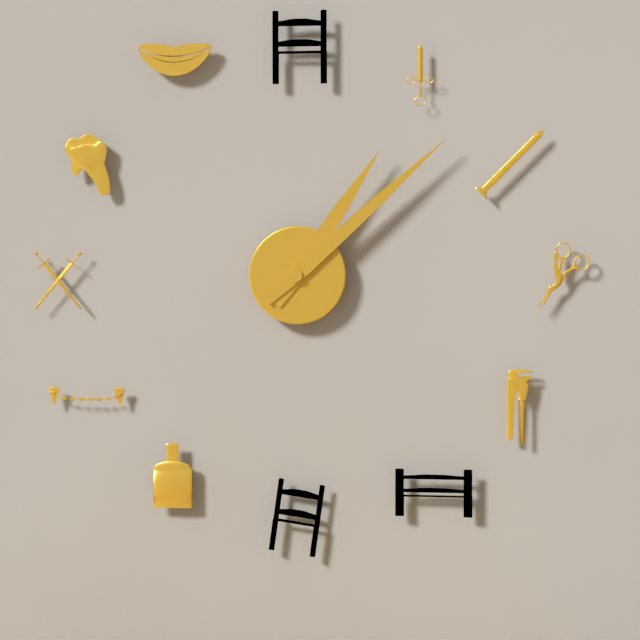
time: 1:08
